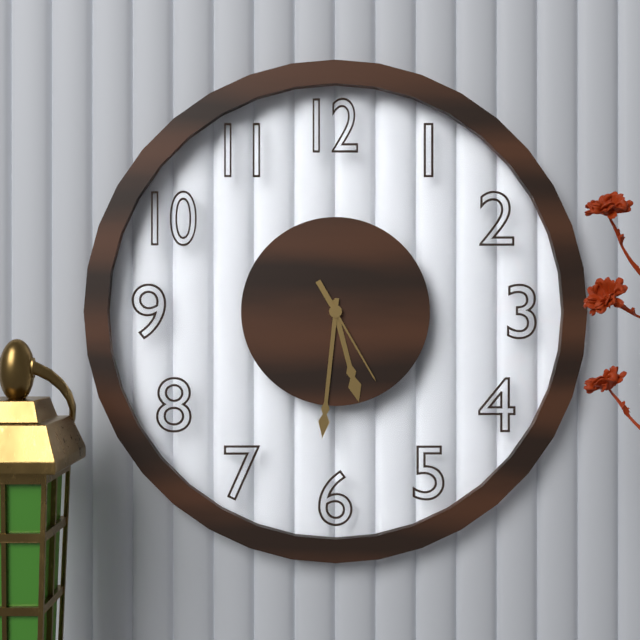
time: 5:31:25
